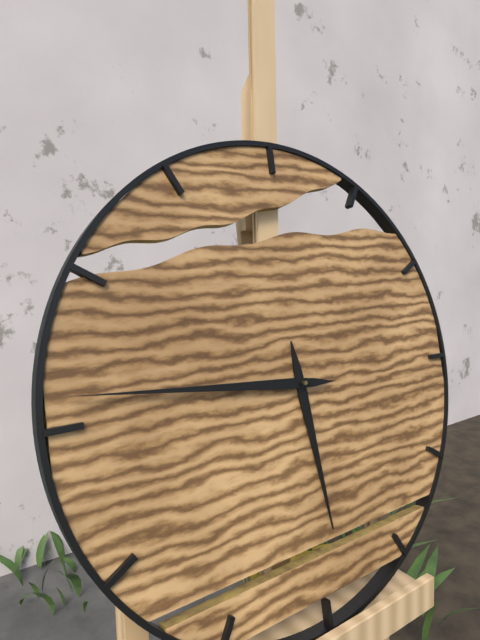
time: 5:46
